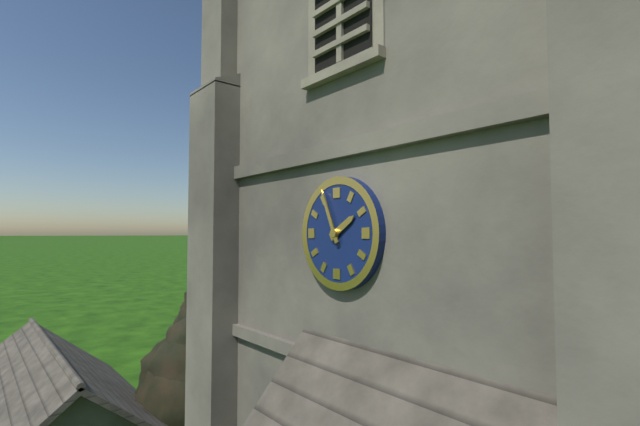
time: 1:56
